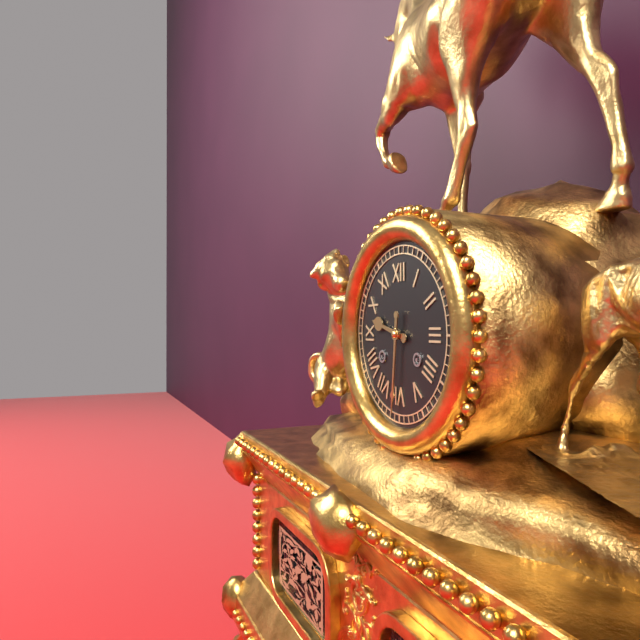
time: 9:31
